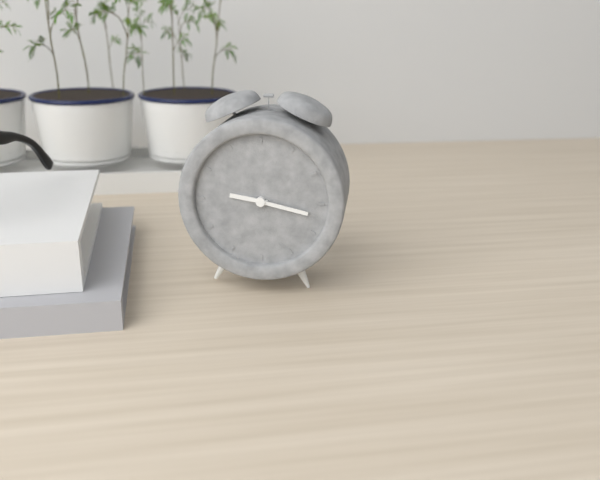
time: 9:17
